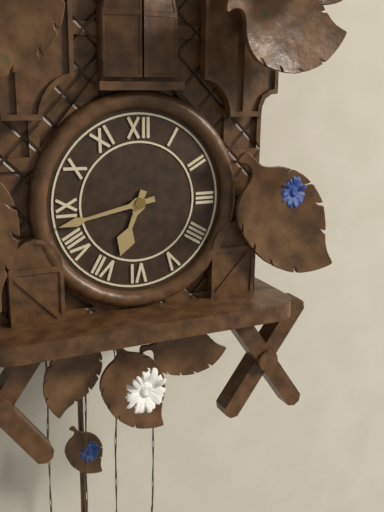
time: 6:43
